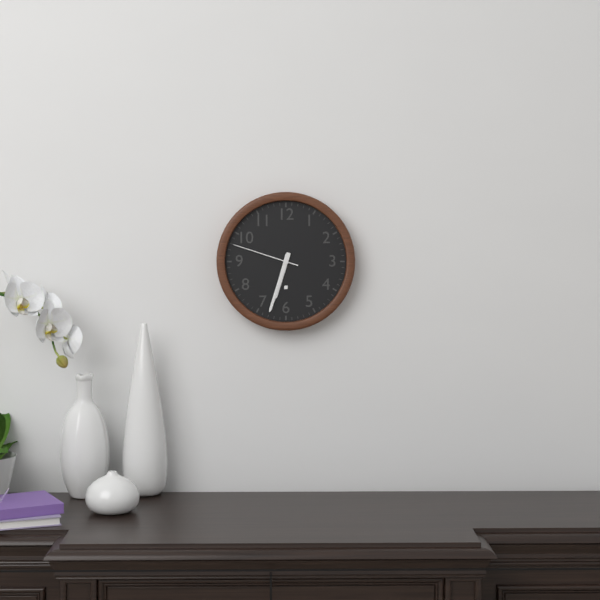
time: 6:33:48
